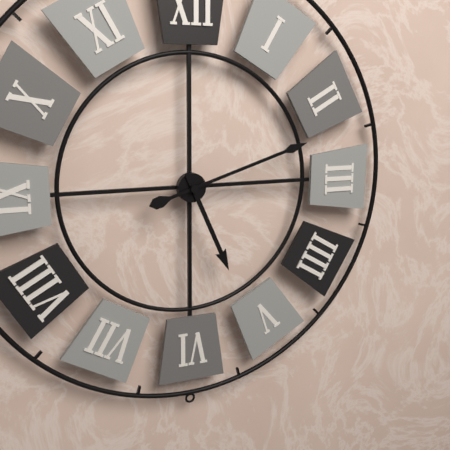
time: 5:12
